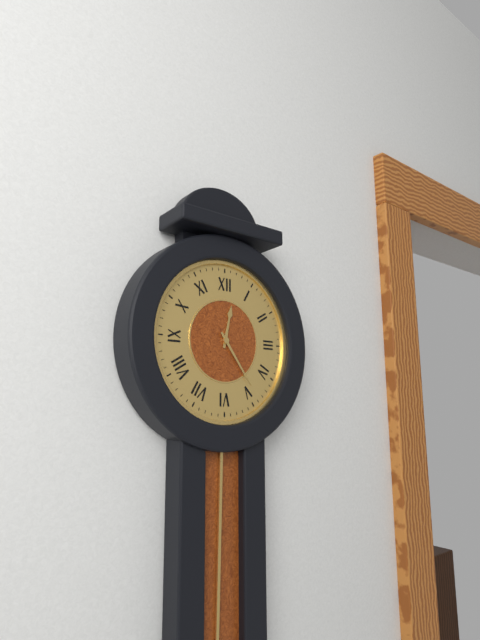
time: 12:24
